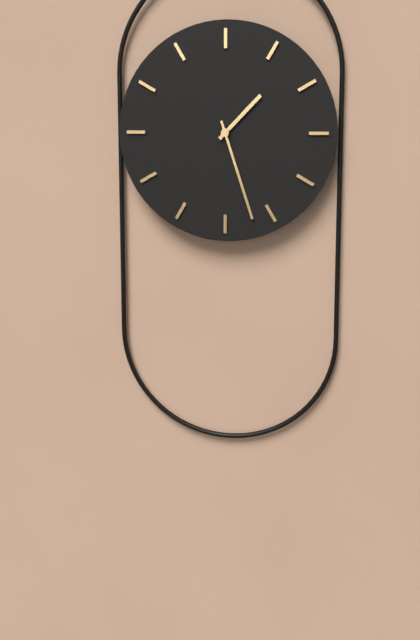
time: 1:27
